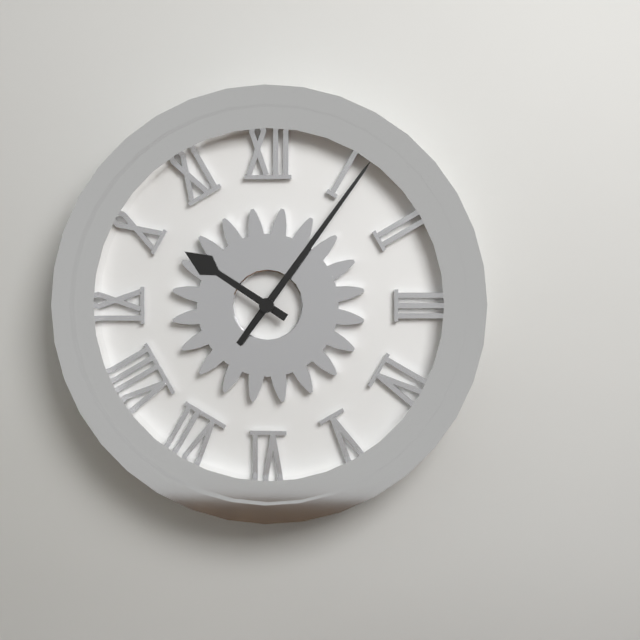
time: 10:06
